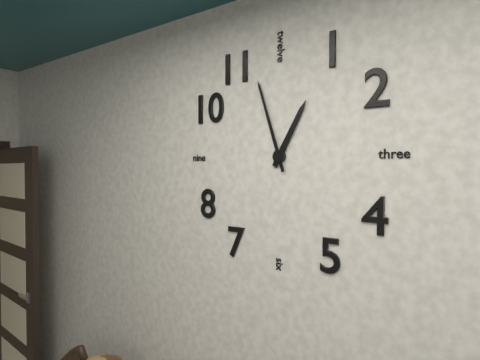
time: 12:57
